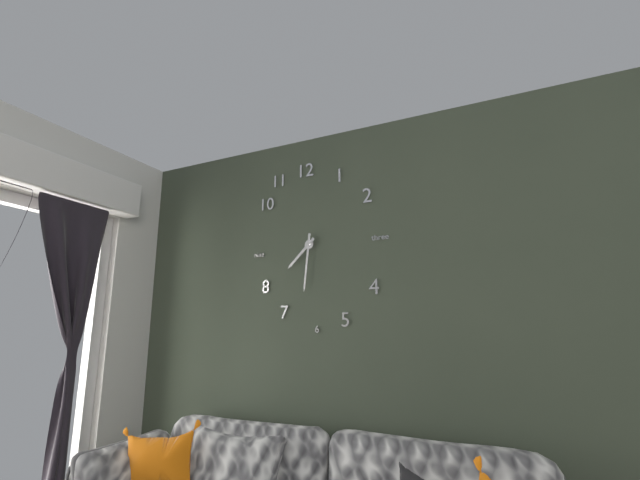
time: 7:31
